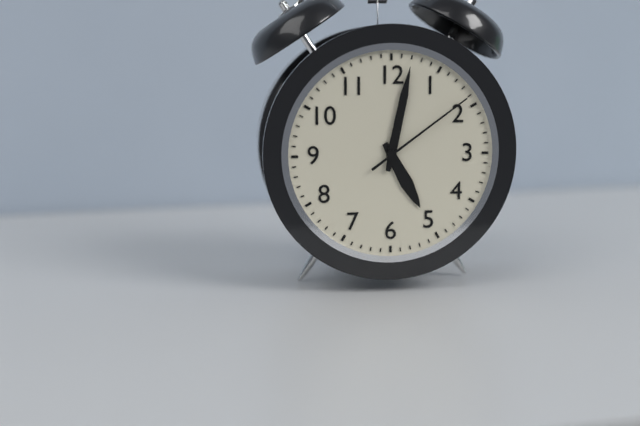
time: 5:02:09
